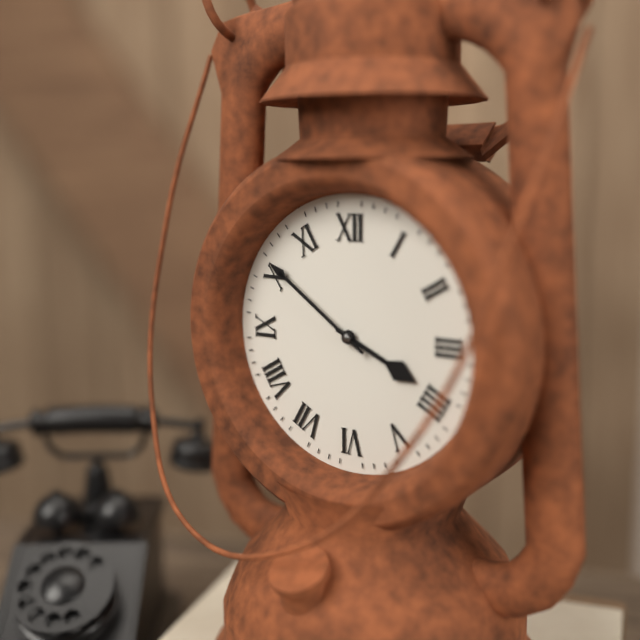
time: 3:51
